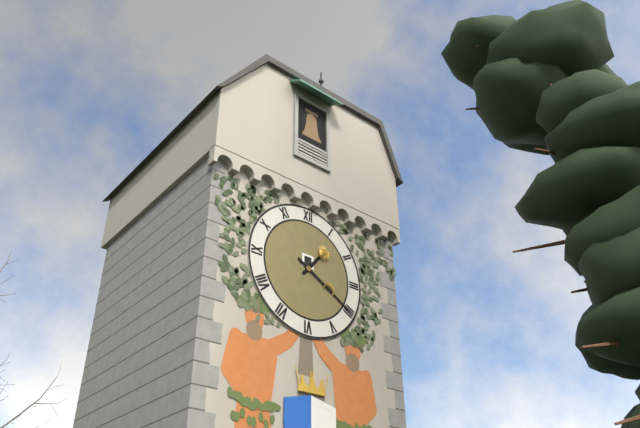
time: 1:20
